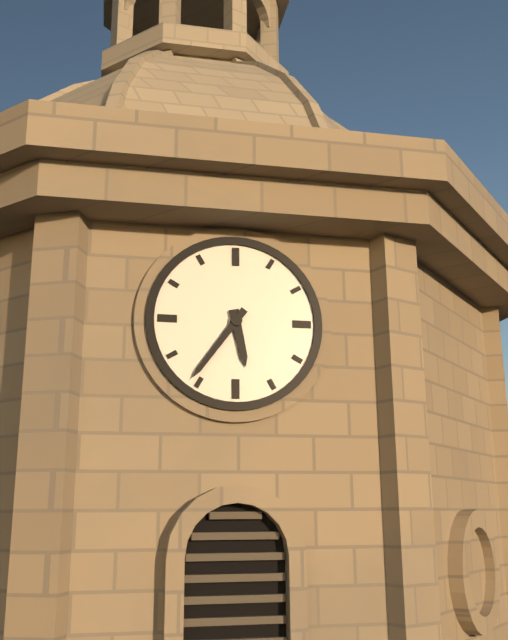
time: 5:36
